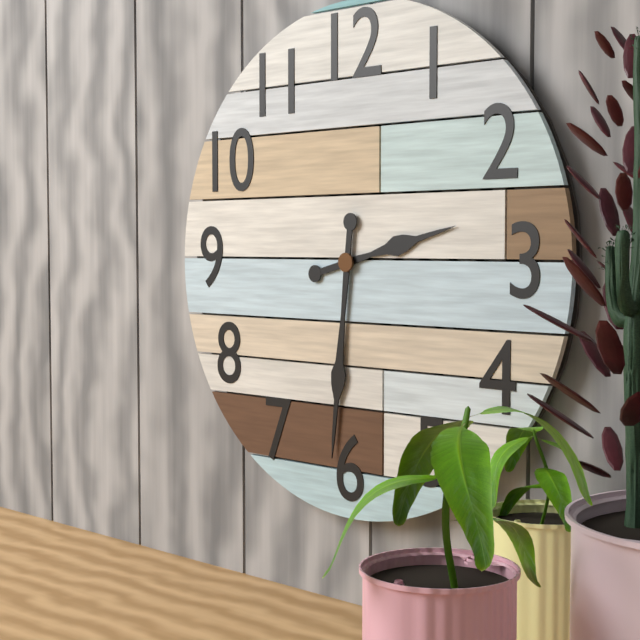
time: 2:31
